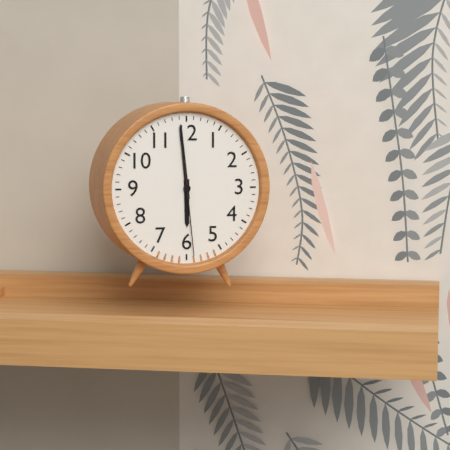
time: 5:59:29
